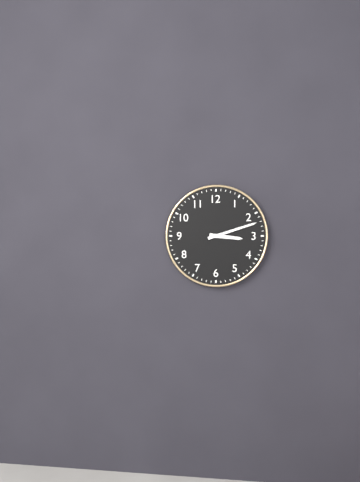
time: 3:12
